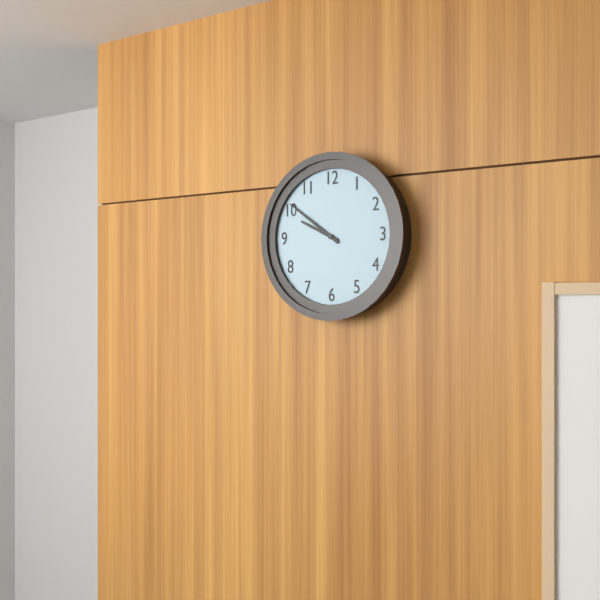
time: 9:51
